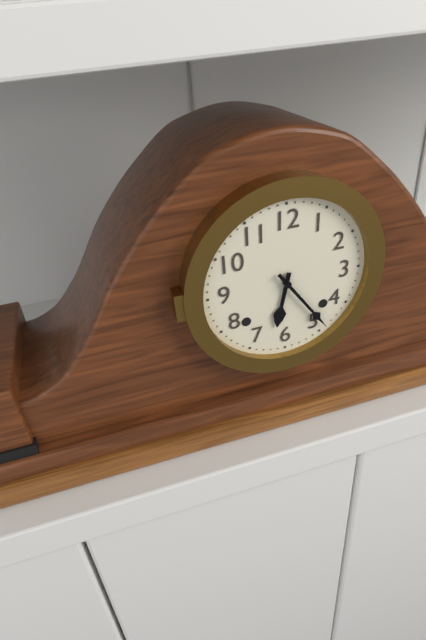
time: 6:24
